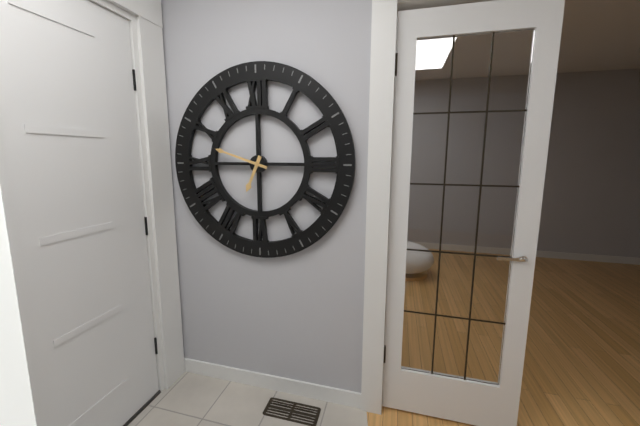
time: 6:48
